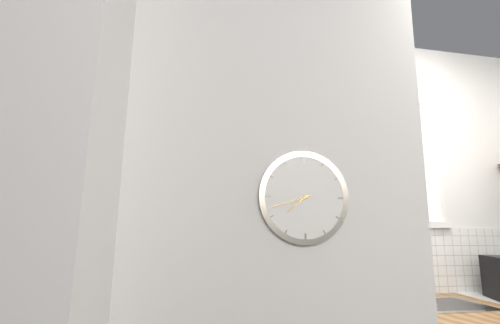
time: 7:42
